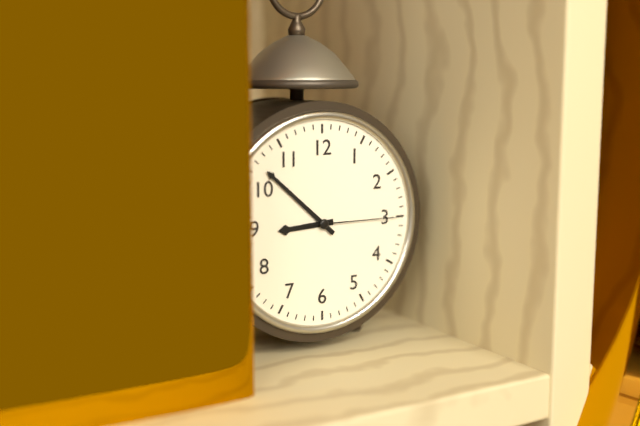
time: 8:52:15
